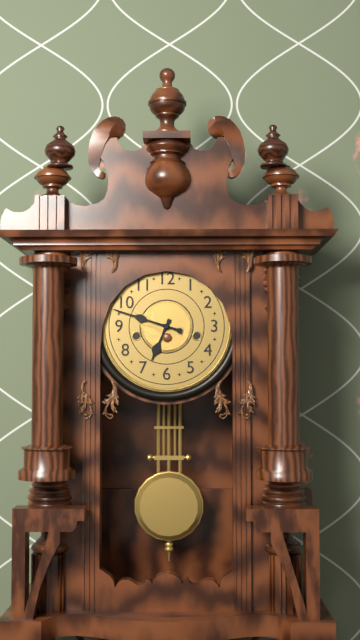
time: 6:48
